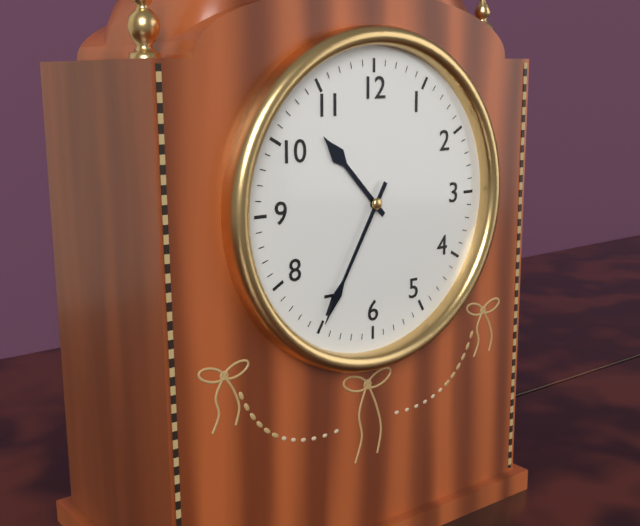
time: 10:35
